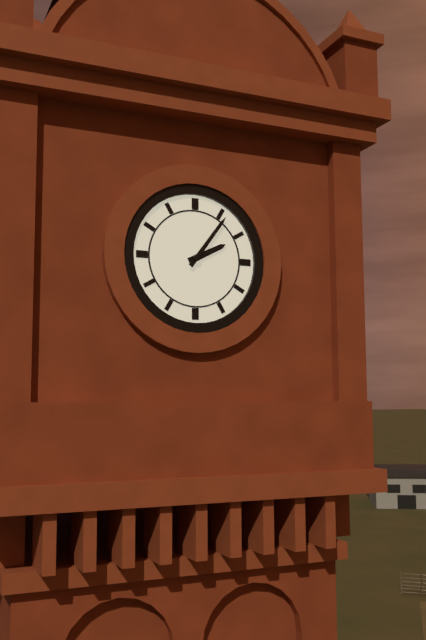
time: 2:06
